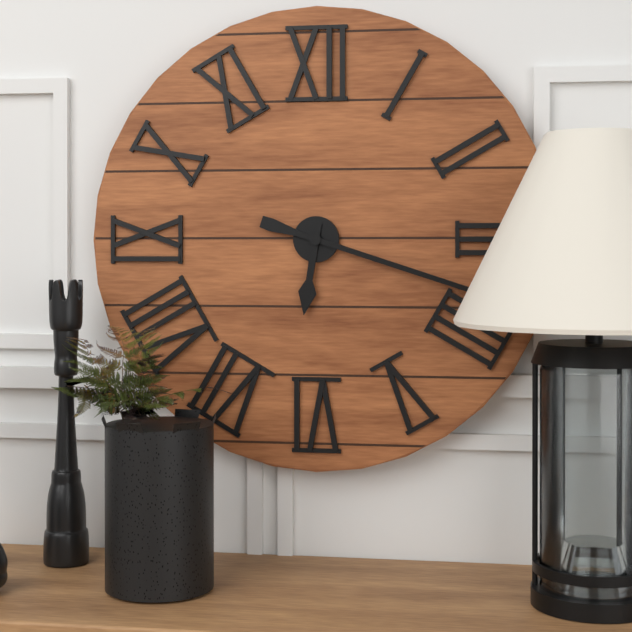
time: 6:18
